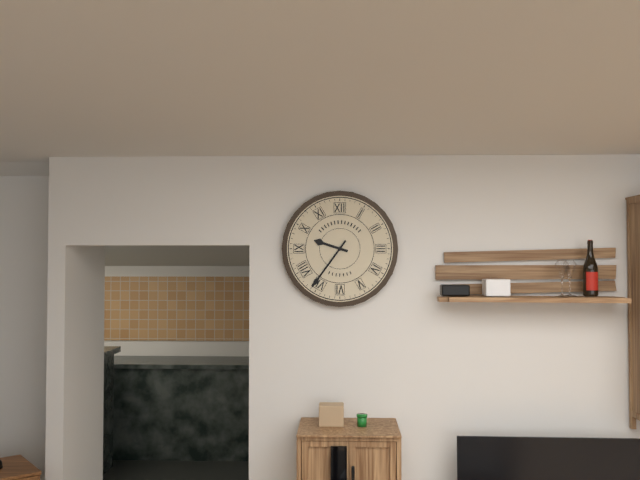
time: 9:36
